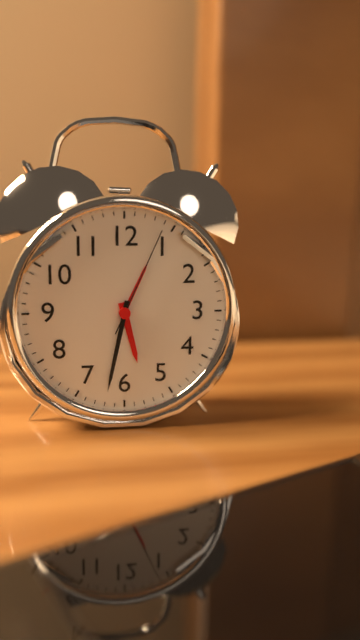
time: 5:32:04
